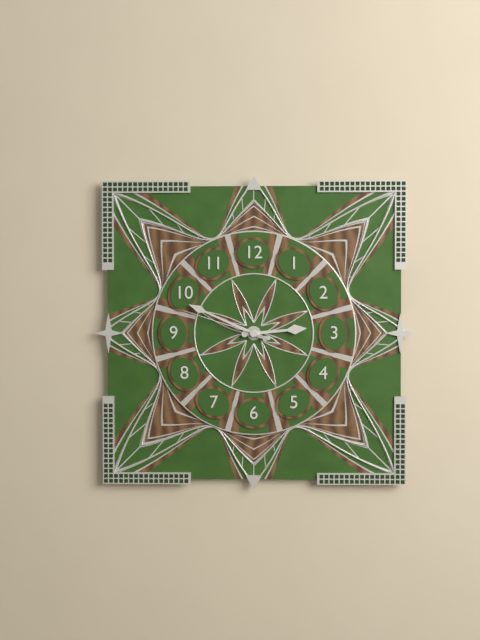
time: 2:49:48
